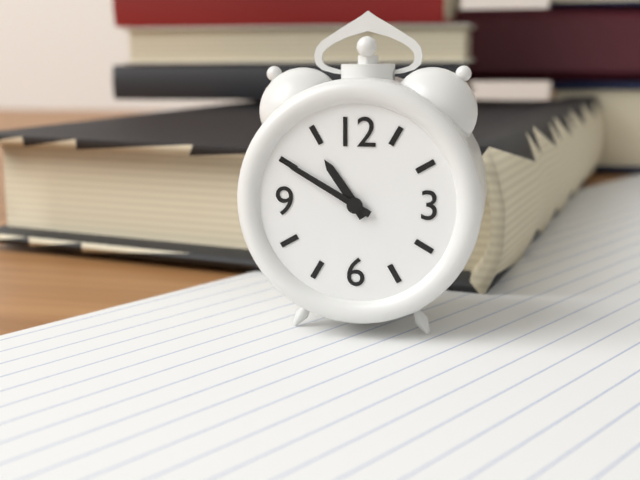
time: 10:50
